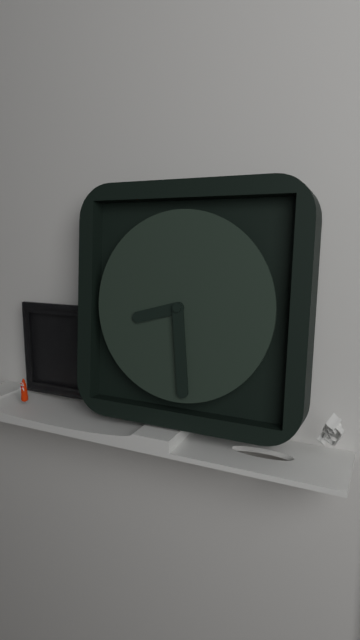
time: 8:29
